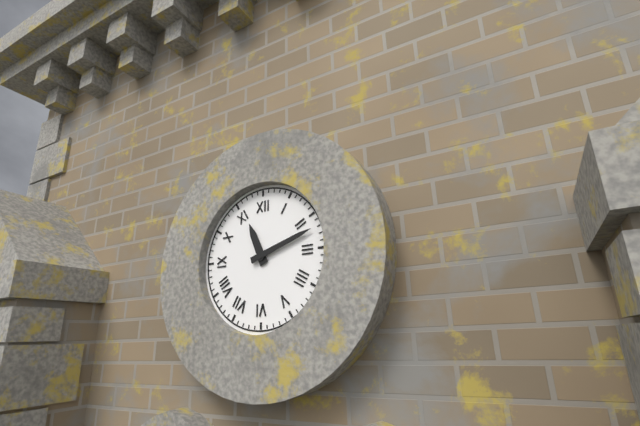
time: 11:12
